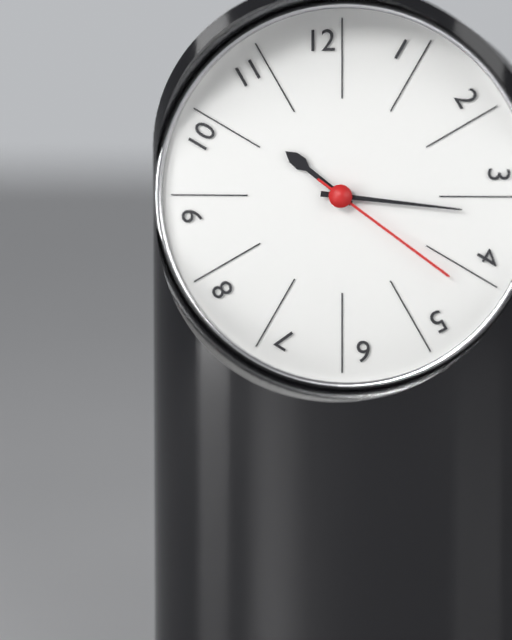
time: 10:16:21
